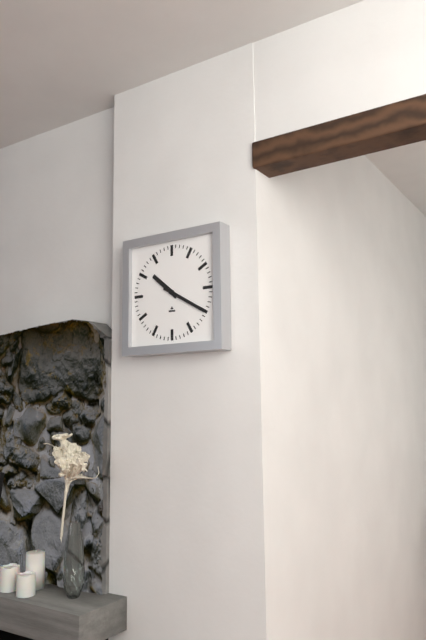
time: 10:20
